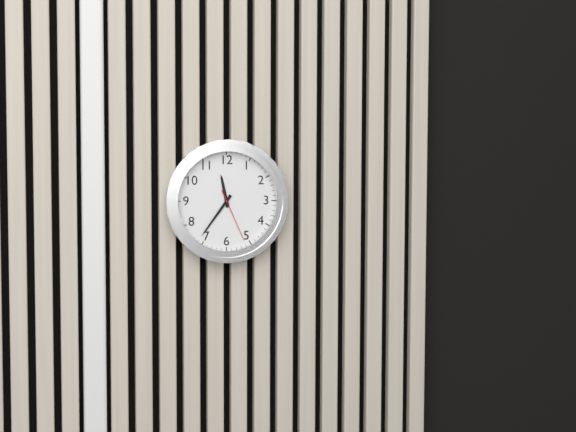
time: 11:36:26
